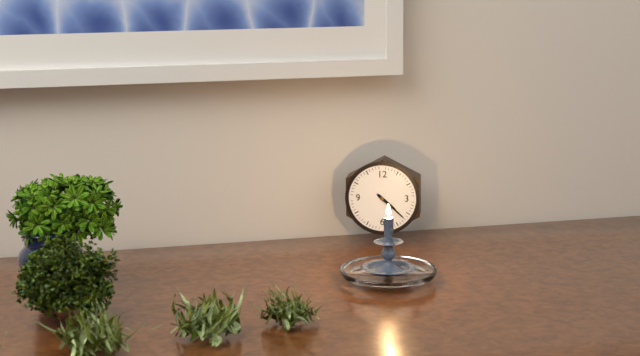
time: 4:22
